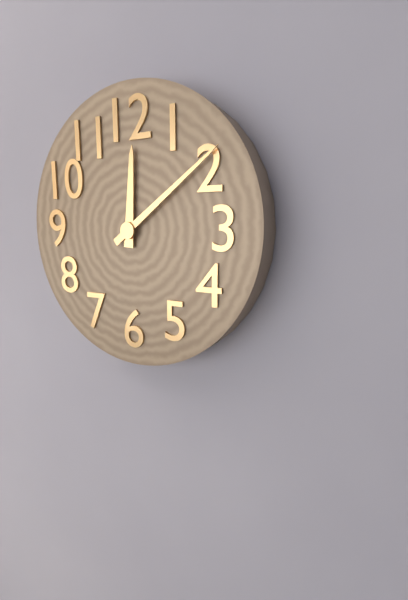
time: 12:09
